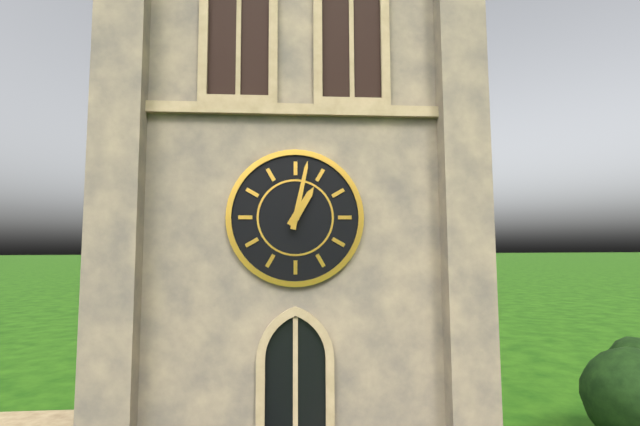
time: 1:02
